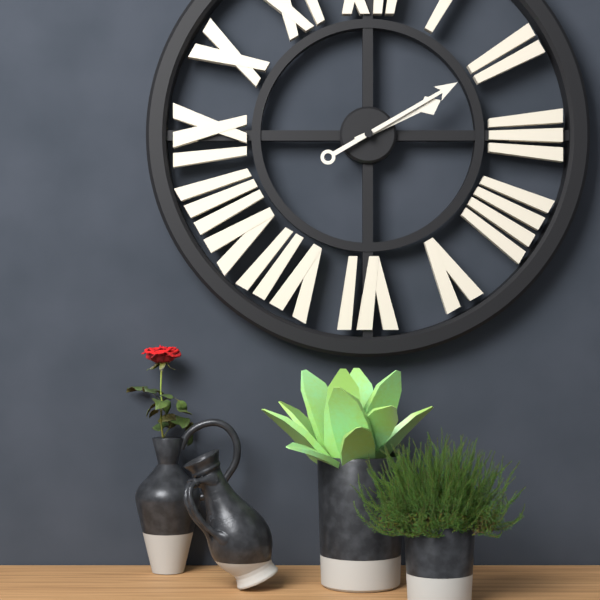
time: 2:10
